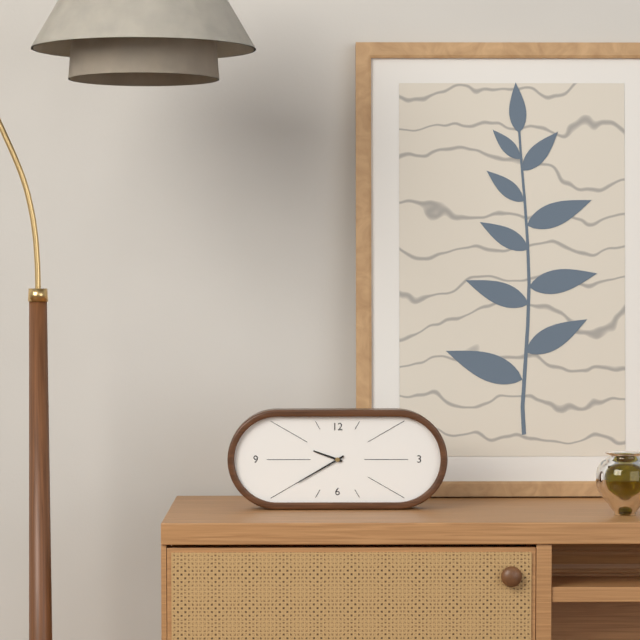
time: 9:40
